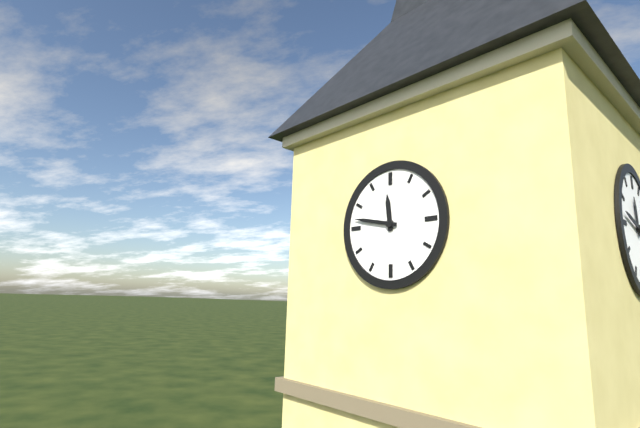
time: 11:47
